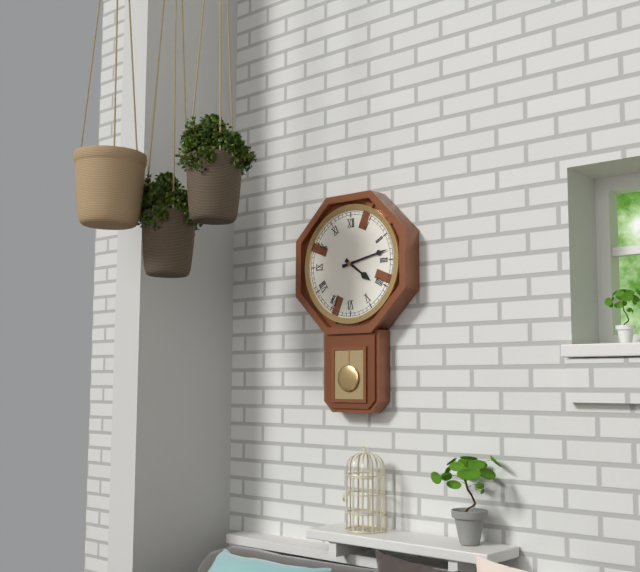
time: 4:13
